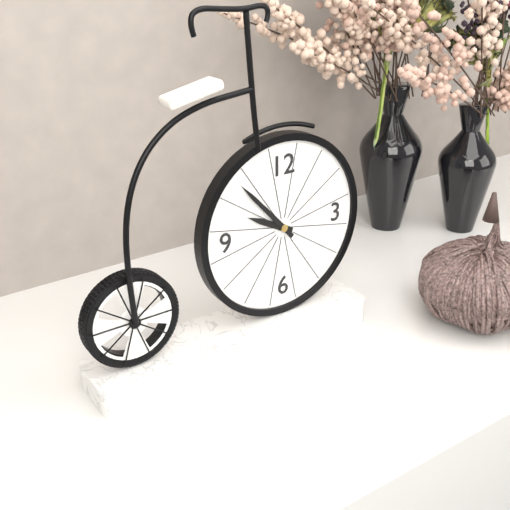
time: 9:53
